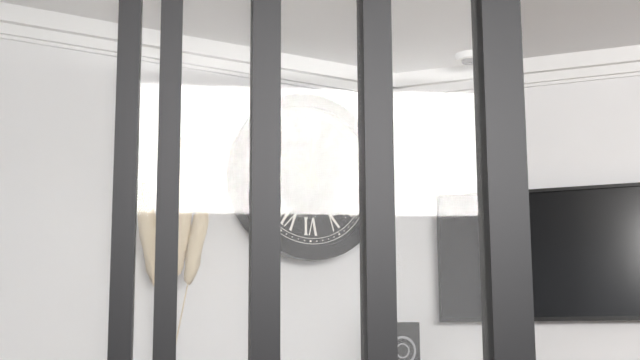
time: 10:01
